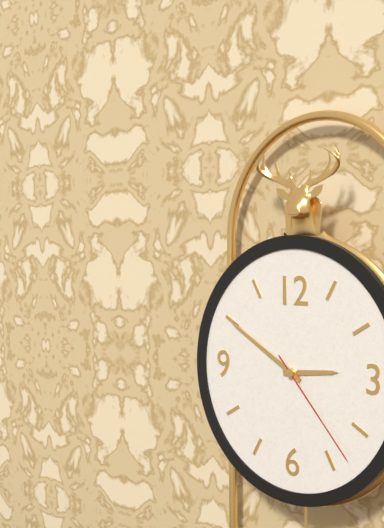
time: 2:50:23
